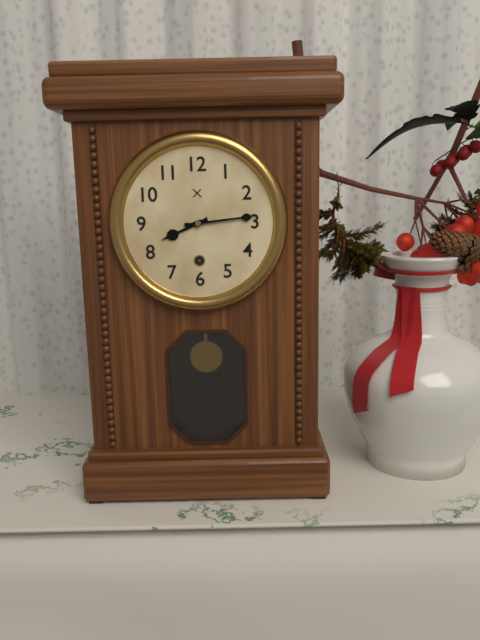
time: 8:14
